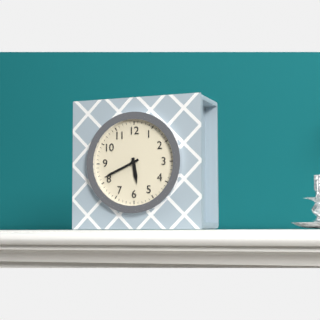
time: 5:41
